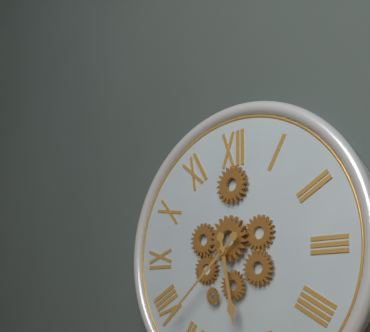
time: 5:38
